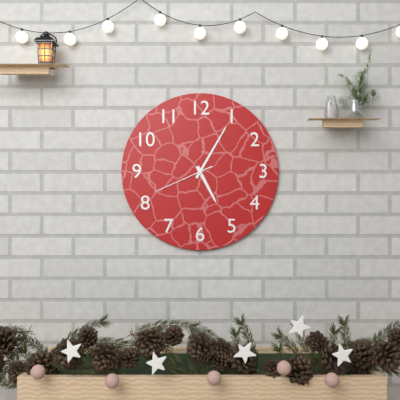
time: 5:05:41
